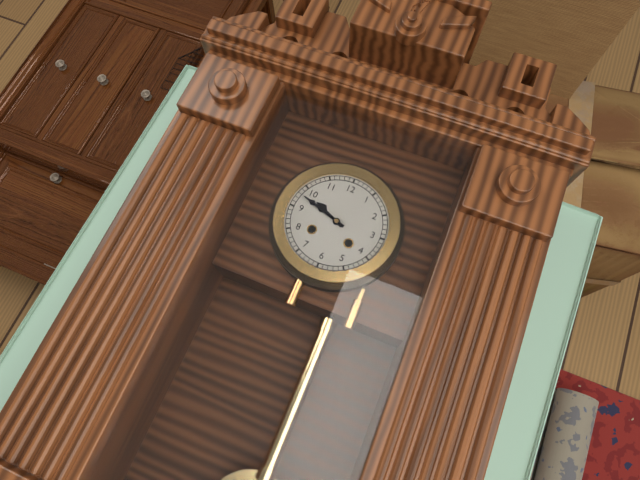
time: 9:48
